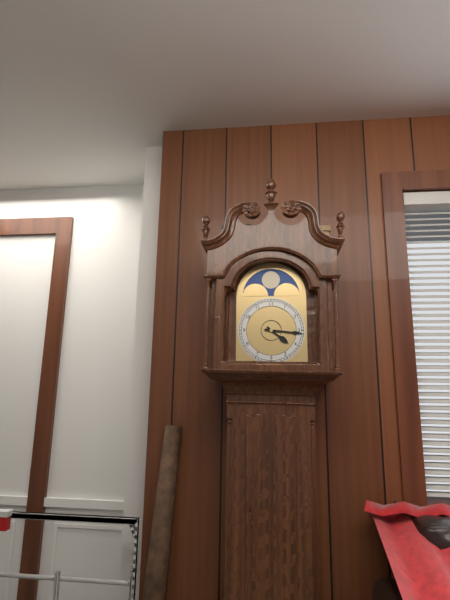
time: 4:16
